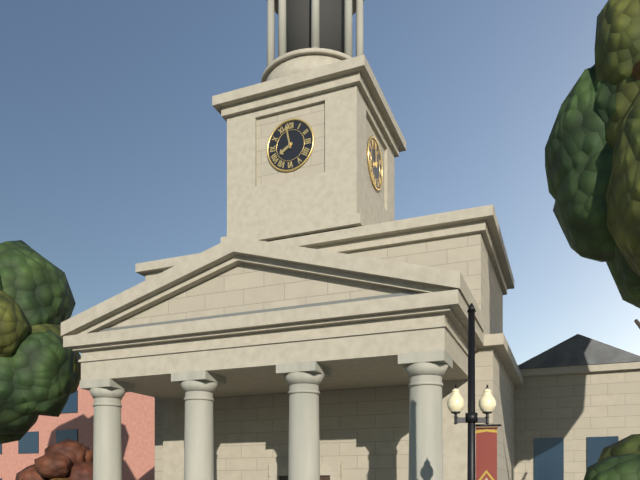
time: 7:58
